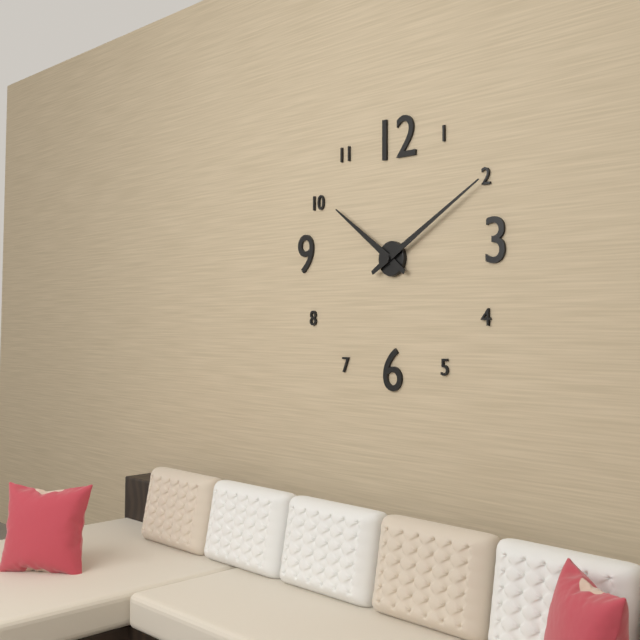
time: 10:10
